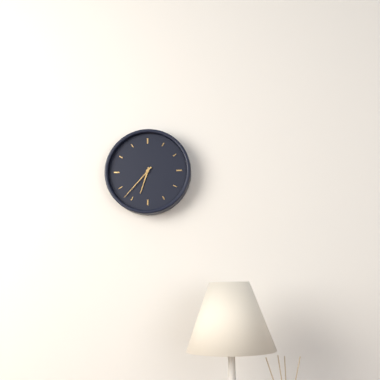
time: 6:37
